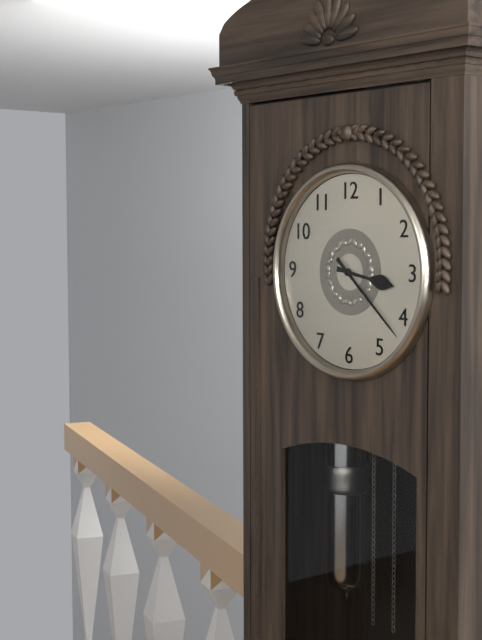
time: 3:22
